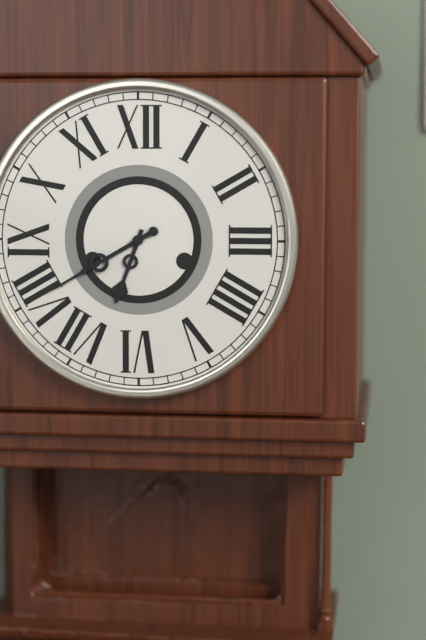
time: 6:40
